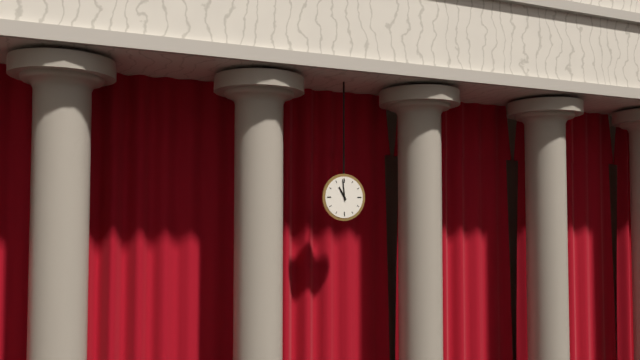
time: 10:59
